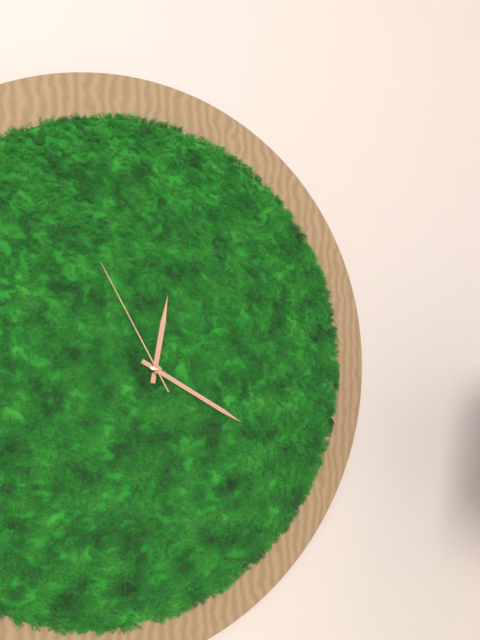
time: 12:20:55
